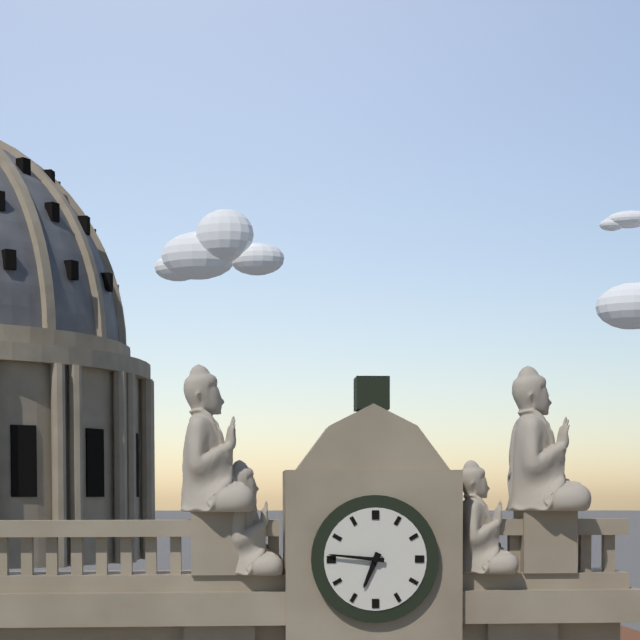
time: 6:46
